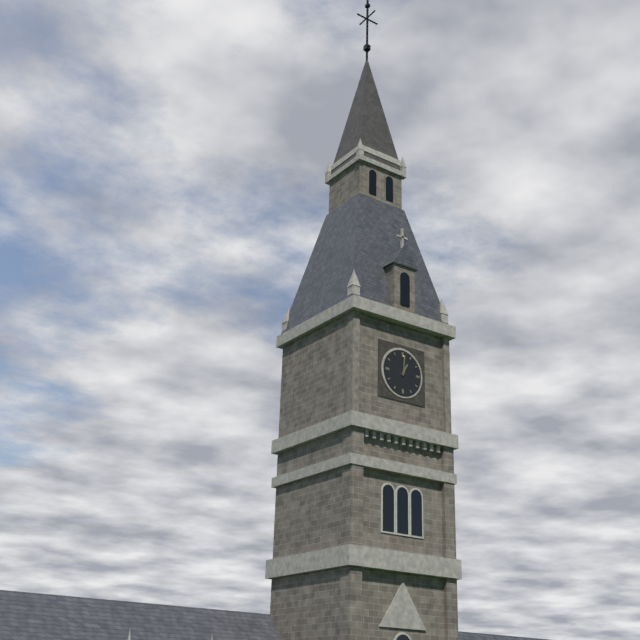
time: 1:01
